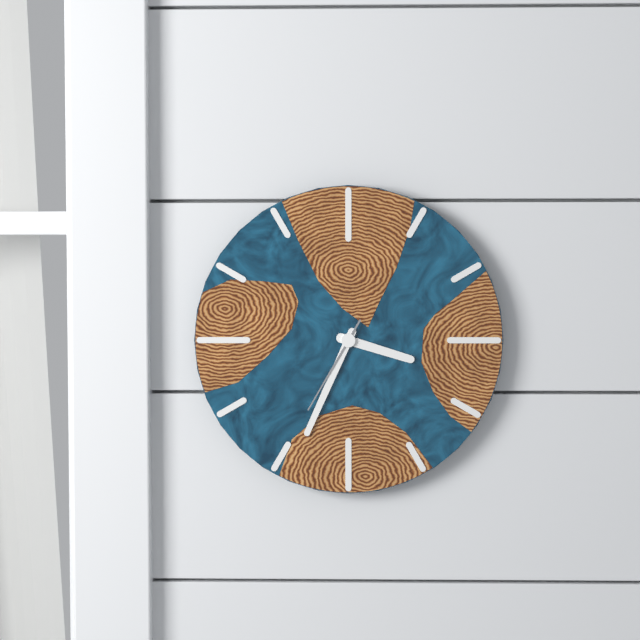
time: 3:34:35
